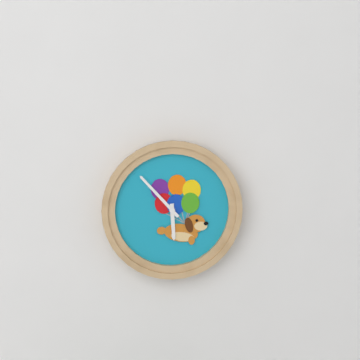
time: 5:53
